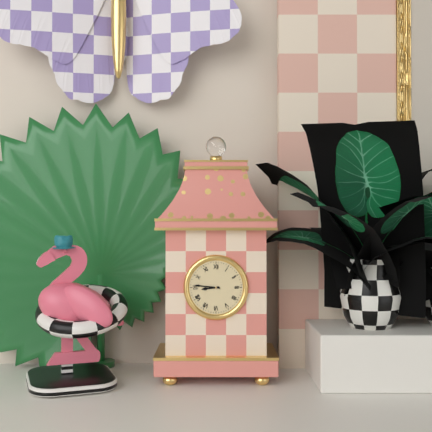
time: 8:46
